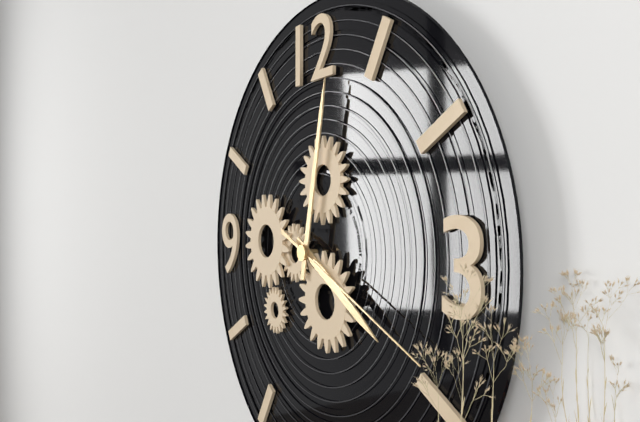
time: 4:02:19
